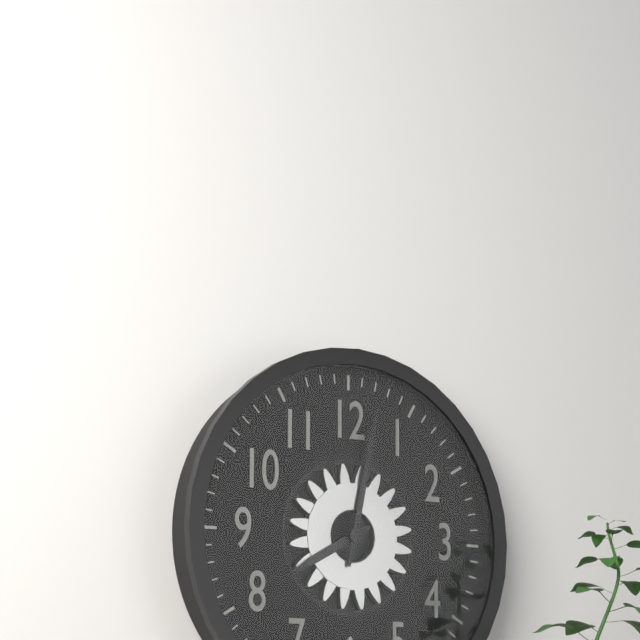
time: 8:02
